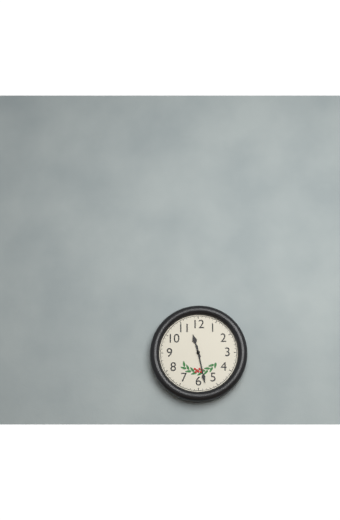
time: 11:28
